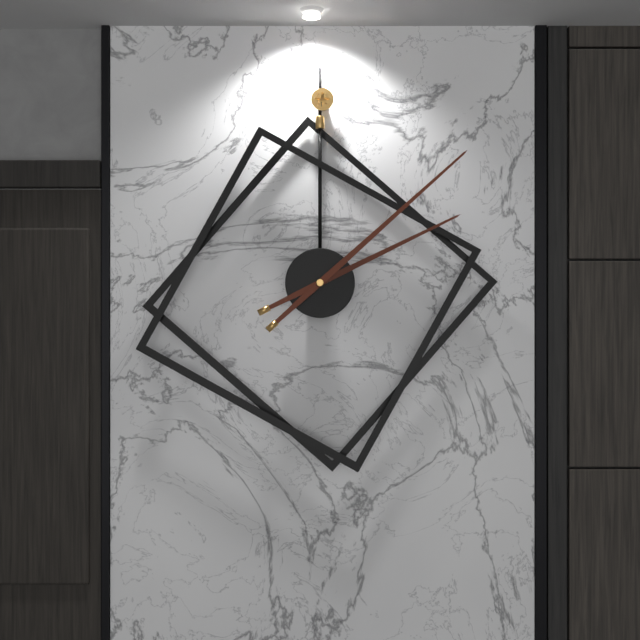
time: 2:08
